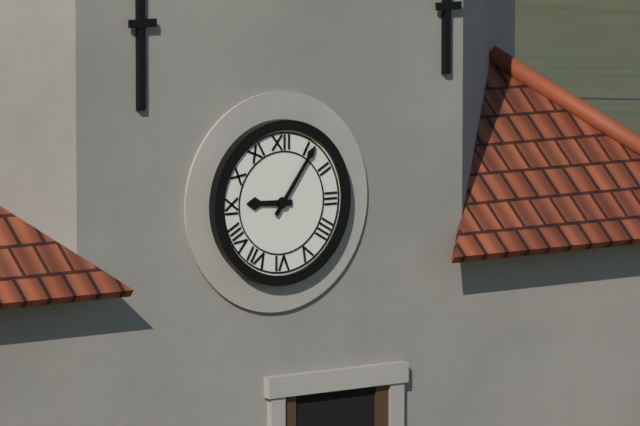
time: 9:06
